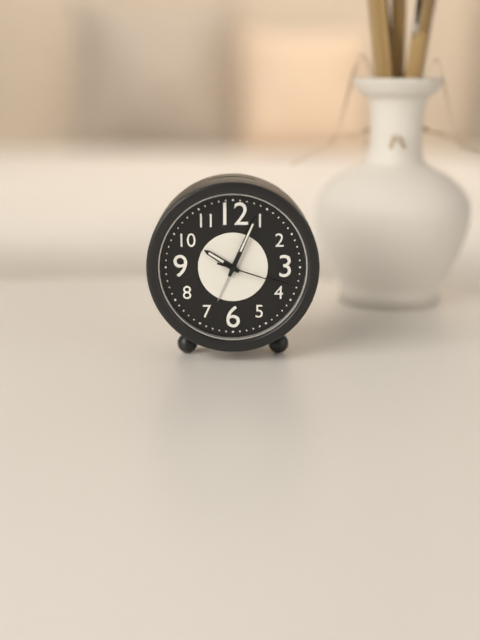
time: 10:04:18
